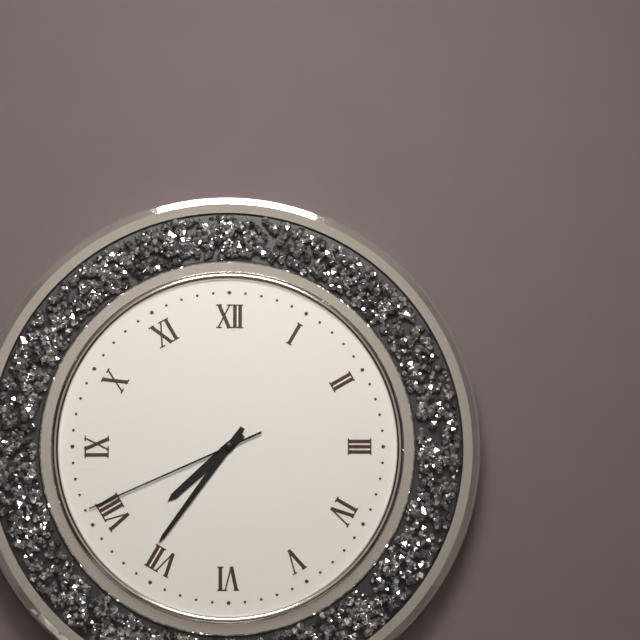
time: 7:36:41
